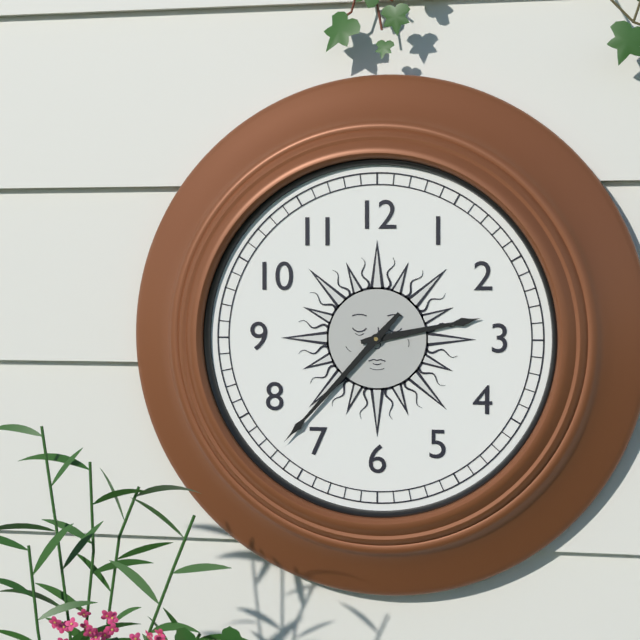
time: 2:37
